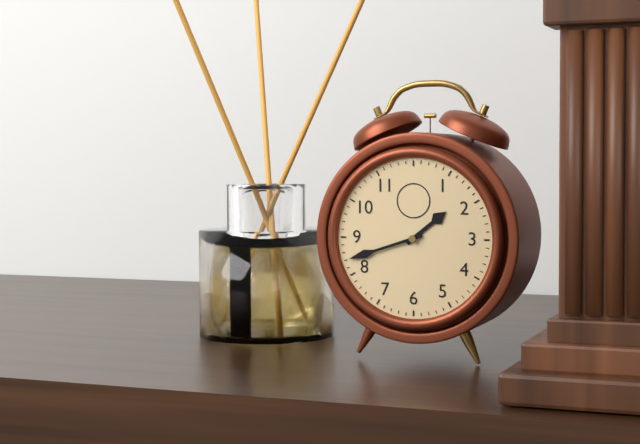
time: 1:42
